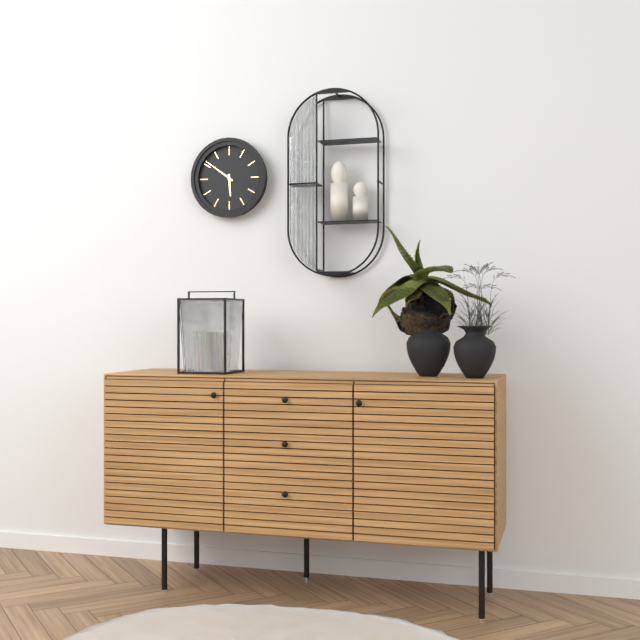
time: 5:51
